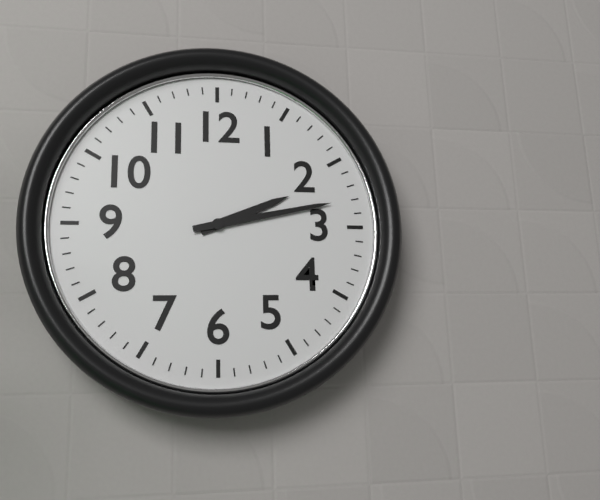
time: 2:13
